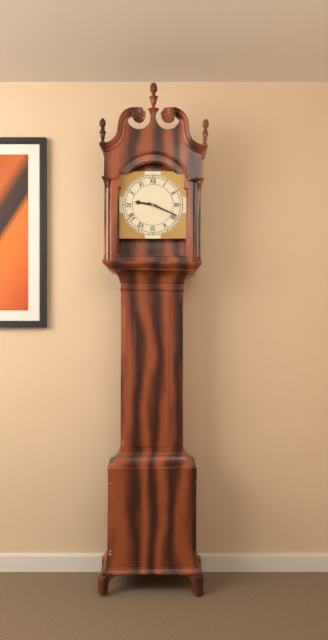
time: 9:19
